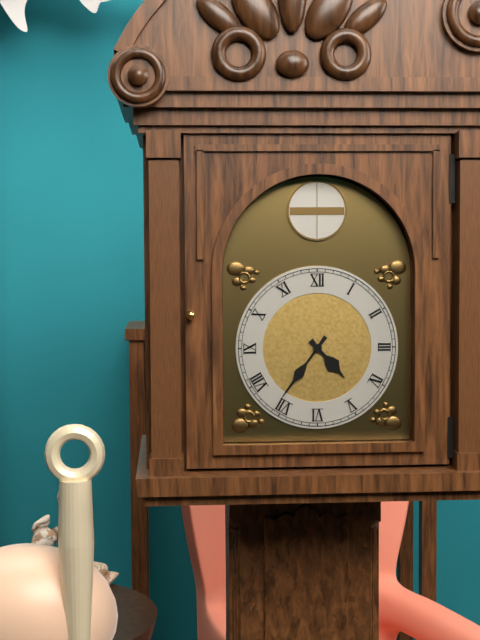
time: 4:36
